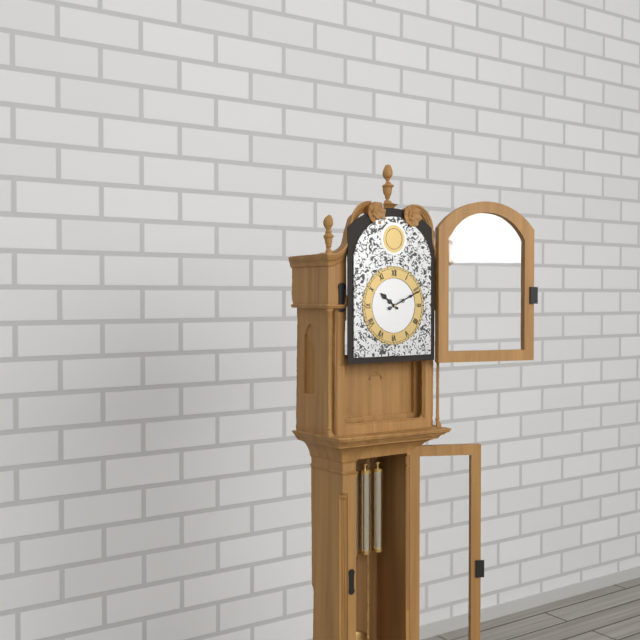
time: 10:11
